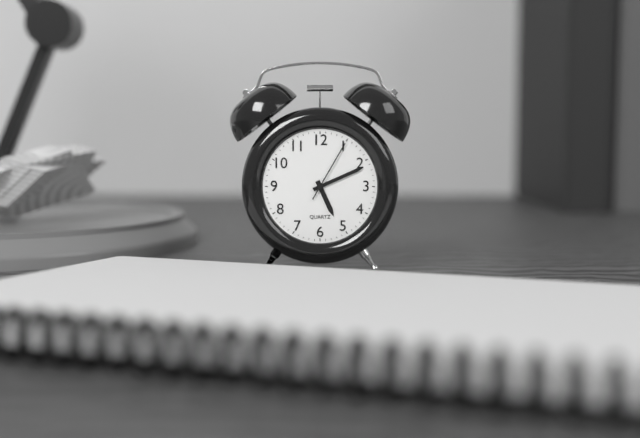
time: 5:11:05
